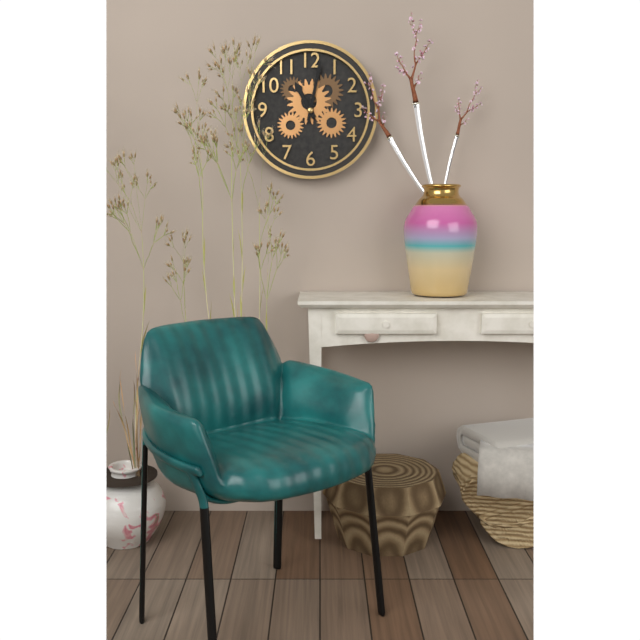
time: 11:02
